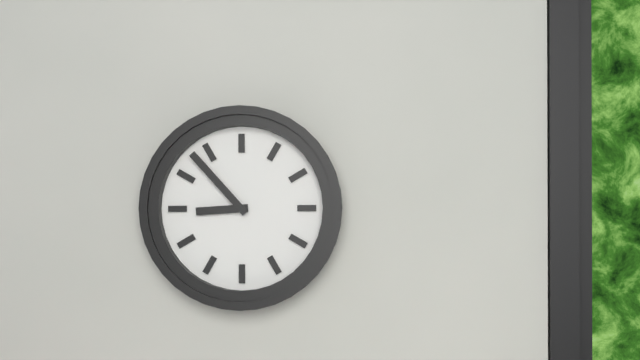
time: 8:53
